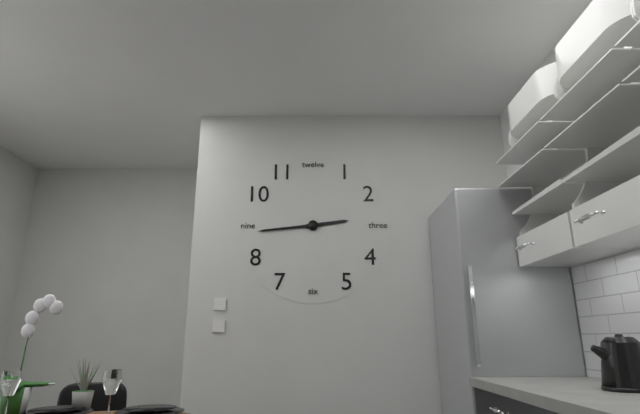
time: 2:44
